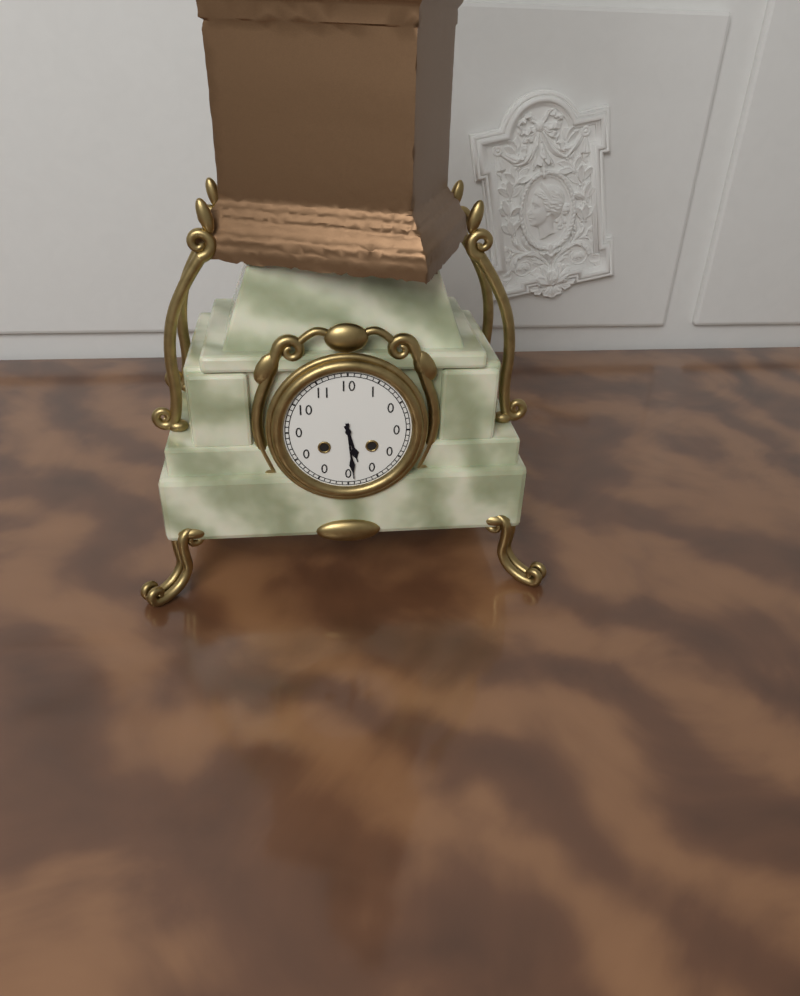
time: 5:29
